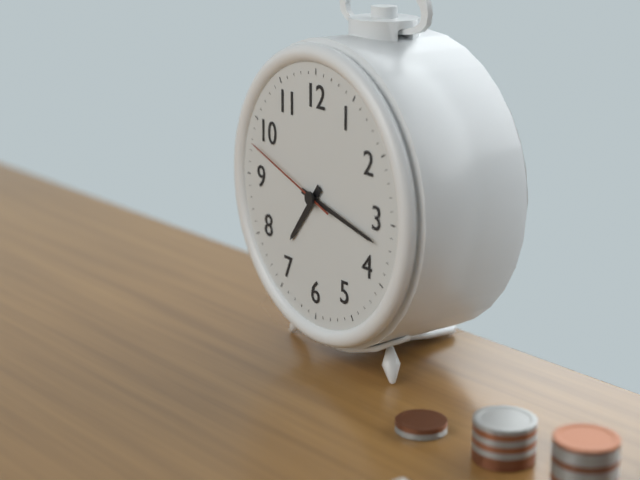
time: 7:17:48
